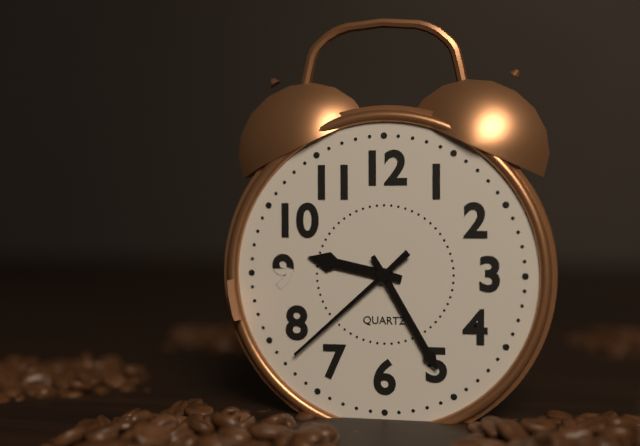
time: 9:25:38
